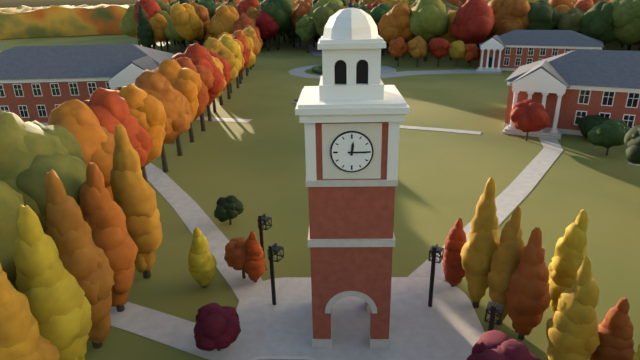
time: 12:15
